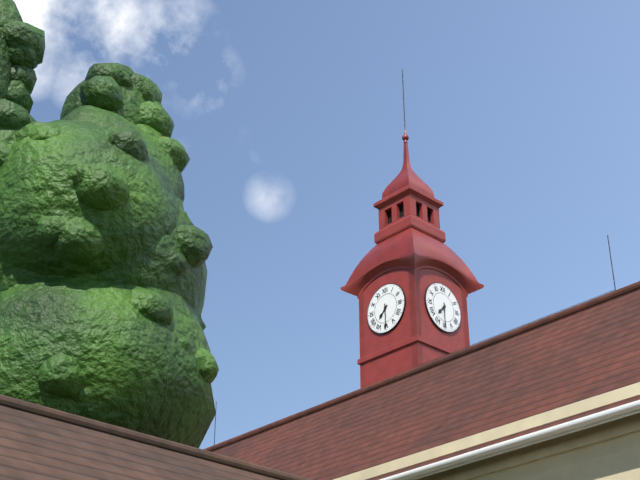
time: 7:30
